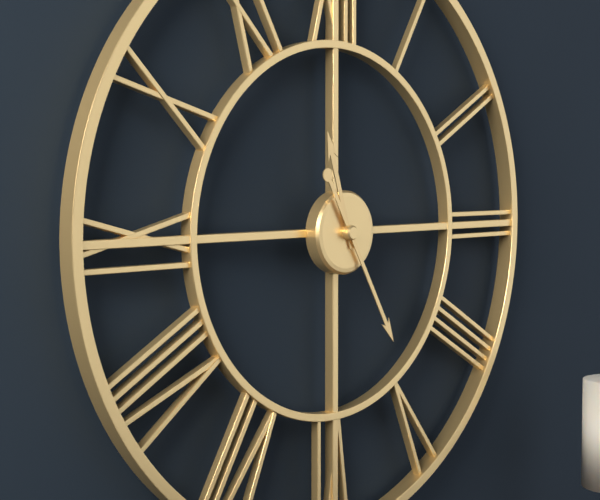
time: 11:25
